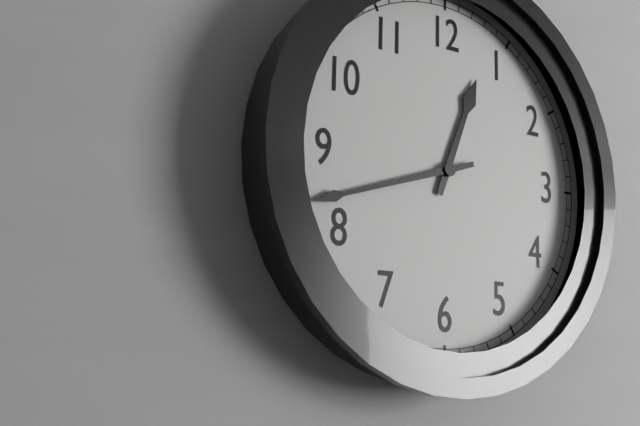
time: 12:42
